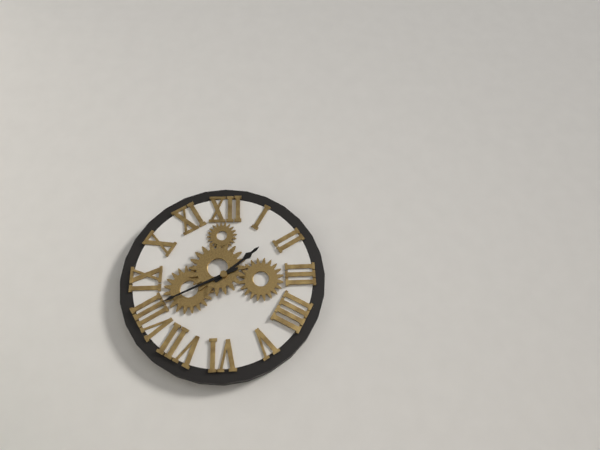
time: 1:41
